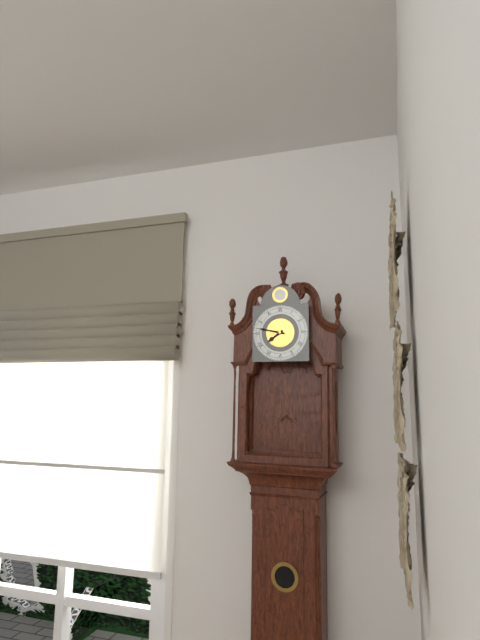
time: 7:47
